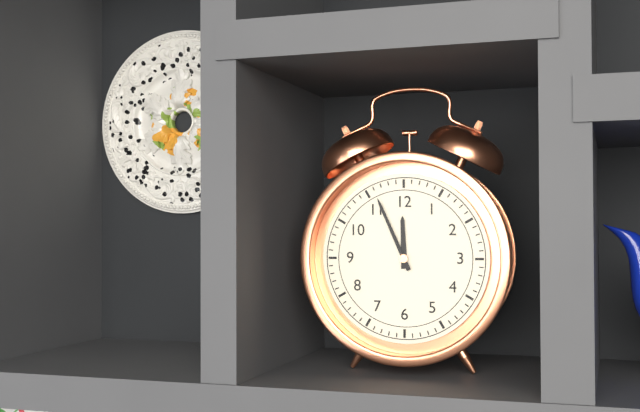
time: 11:56
